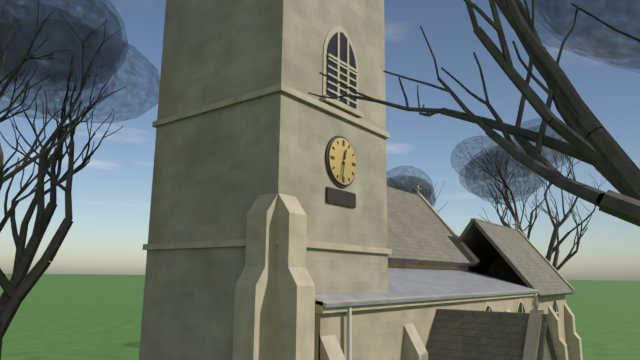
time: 12:32
